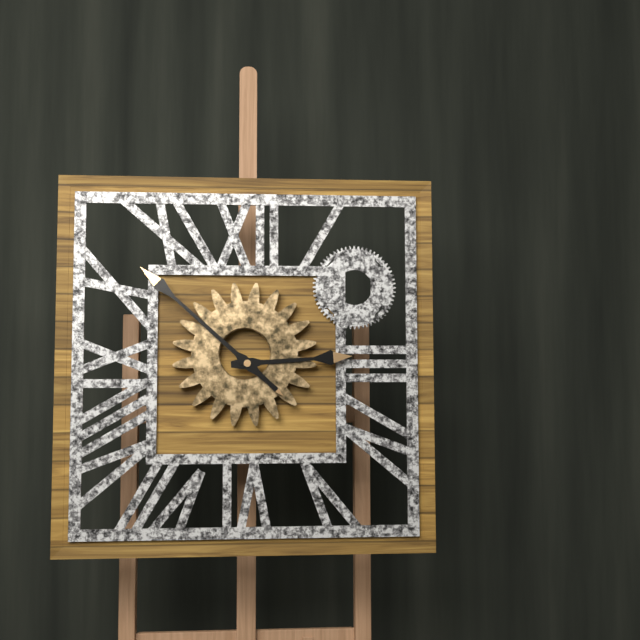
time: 2:52
